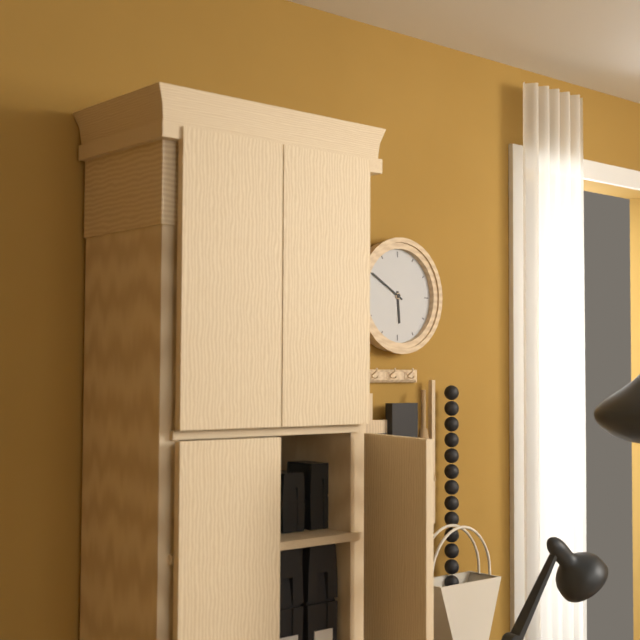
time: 5:50
